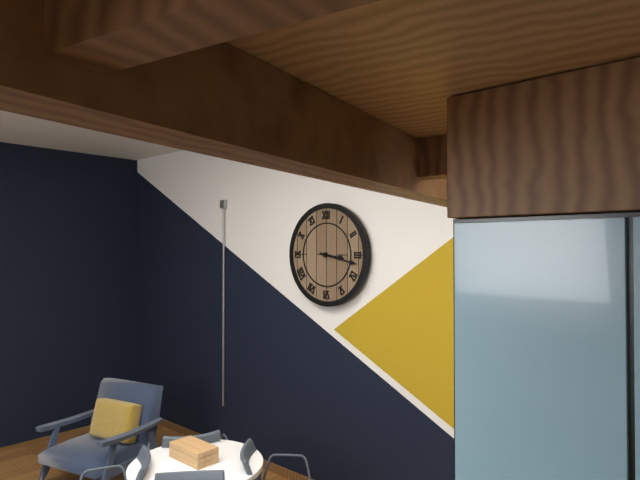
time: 3:17
